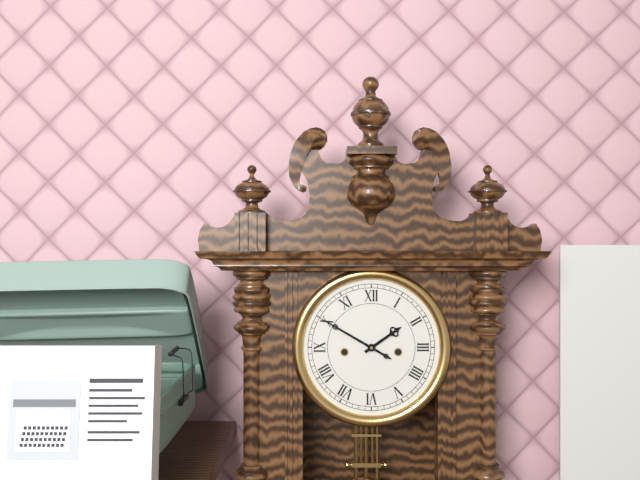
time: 1:50
